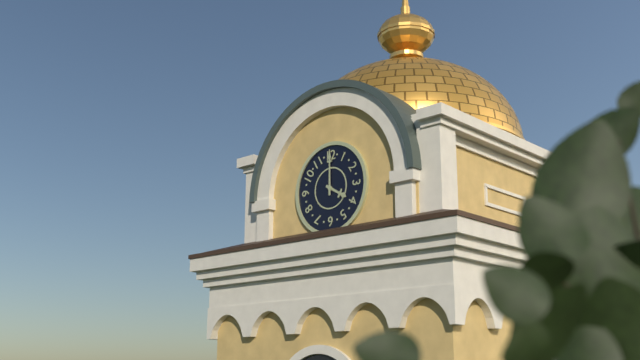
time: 4:00
